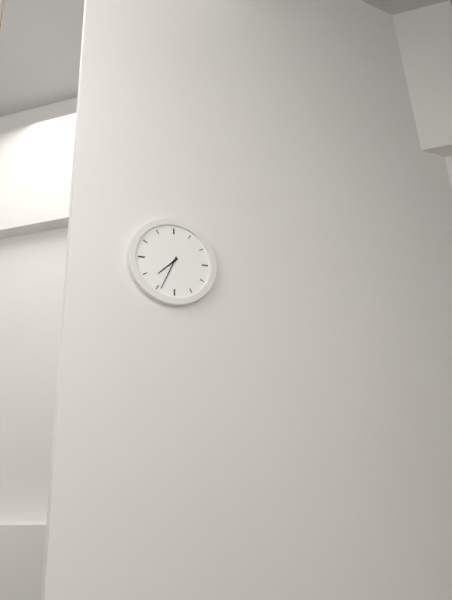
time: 7:34
